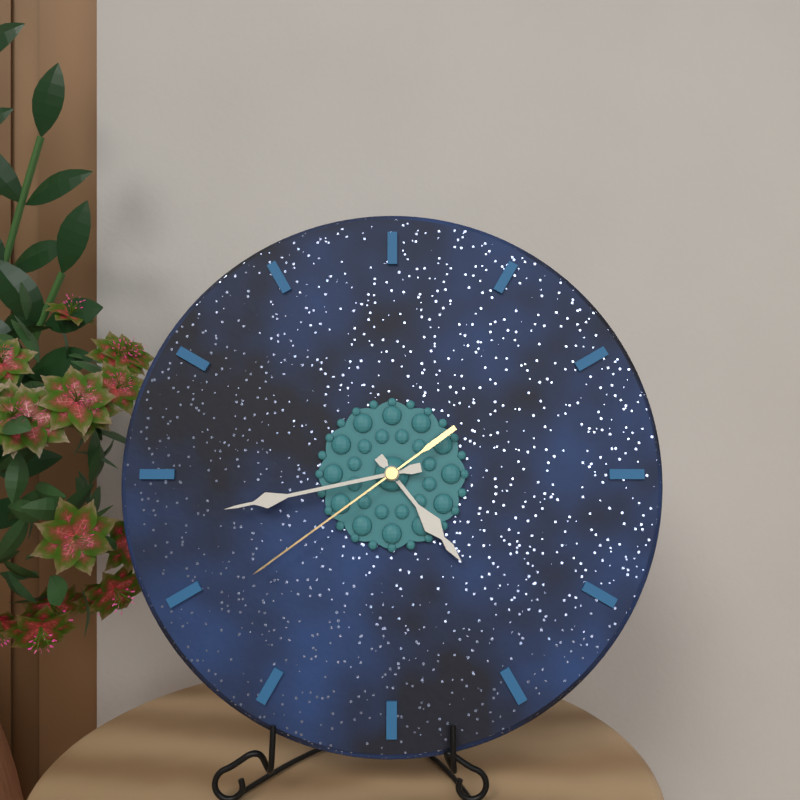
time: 4:43:39
